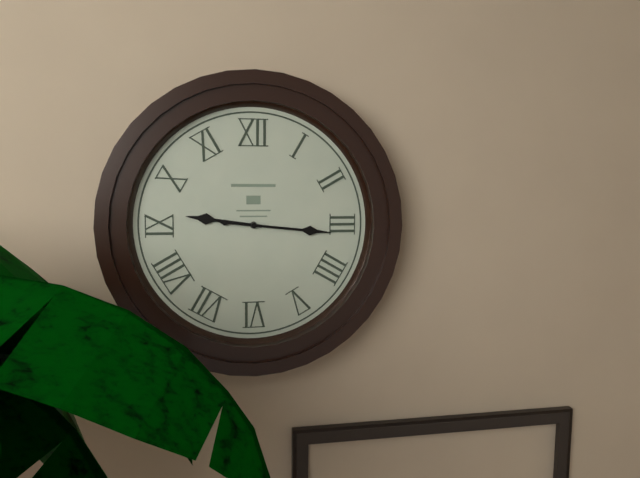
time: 9:16
